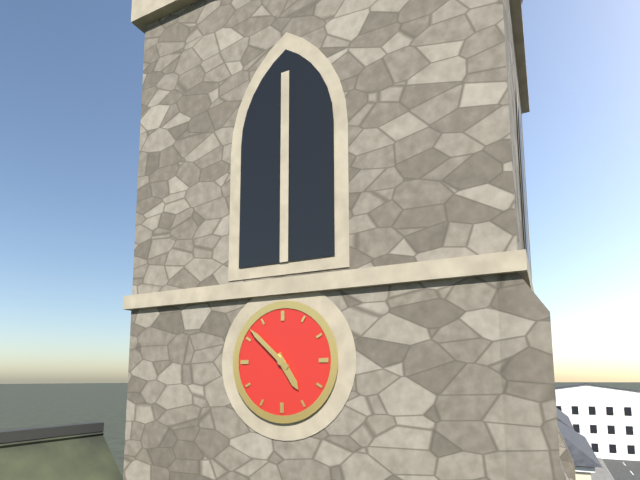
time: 4:52
